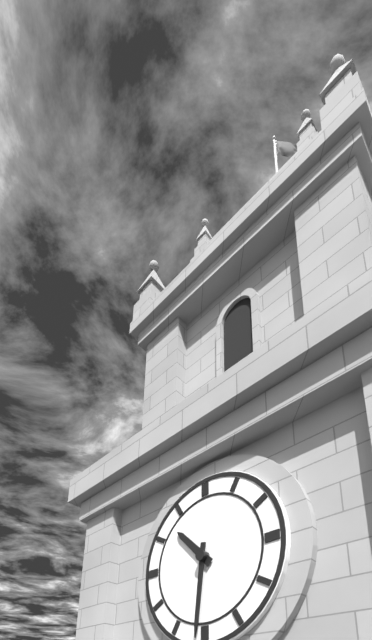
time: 10:31
